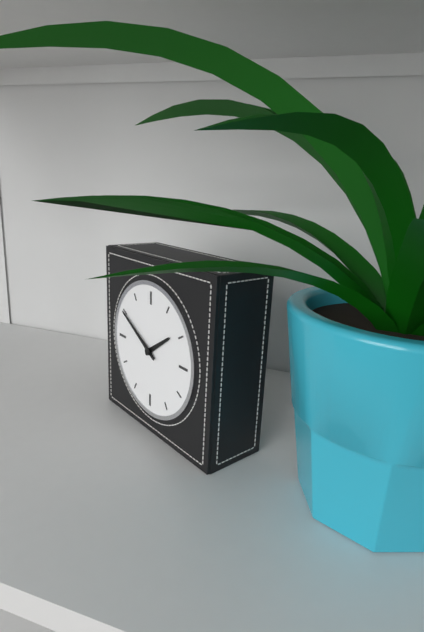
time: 1:50
